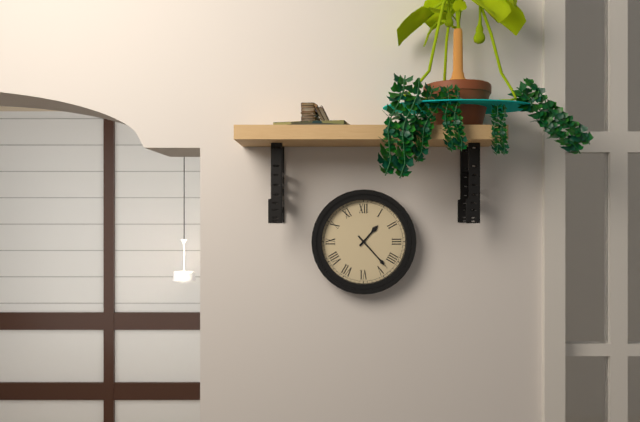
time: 1:23
